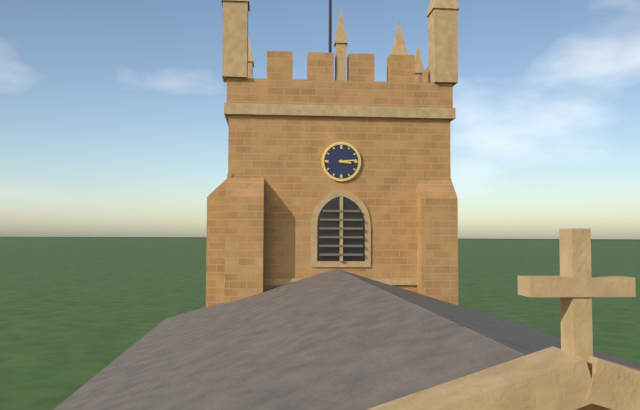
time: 3:14
